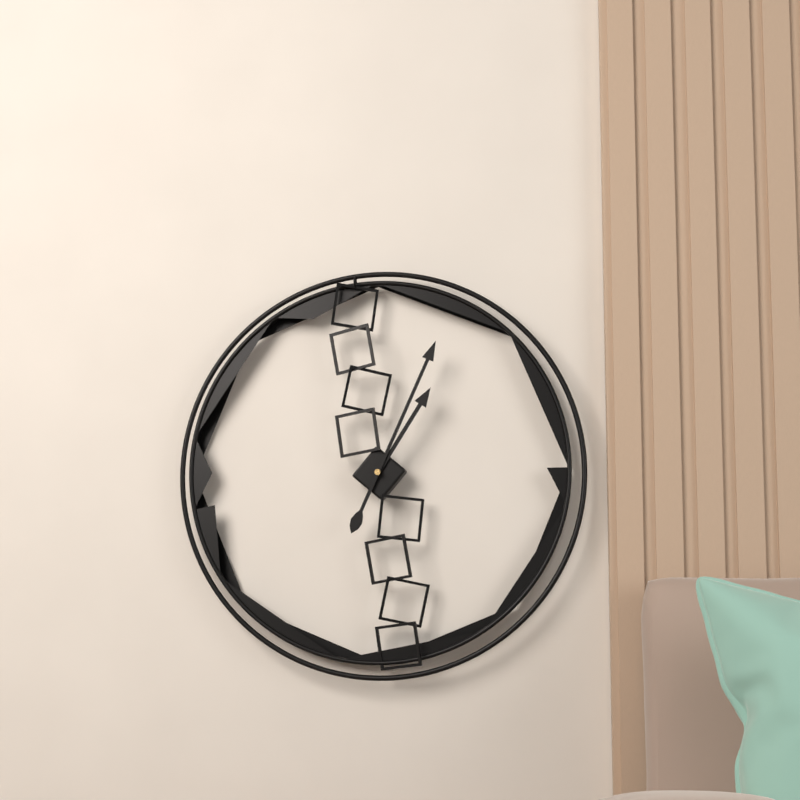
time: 1:04
